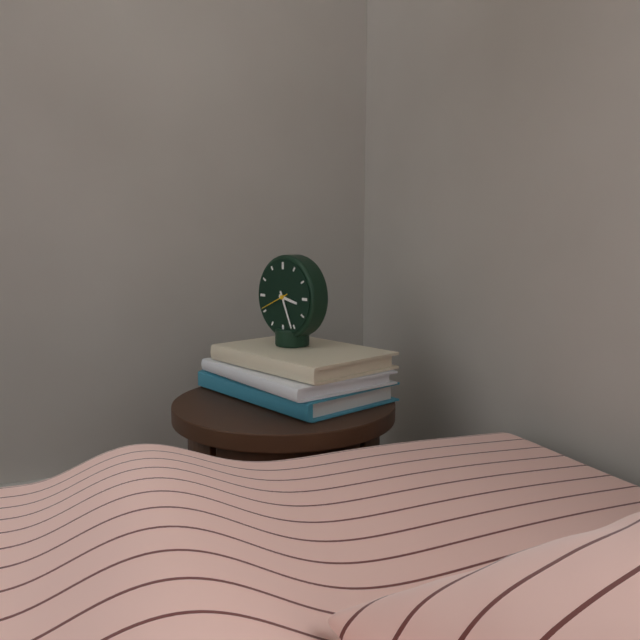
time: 3:26
